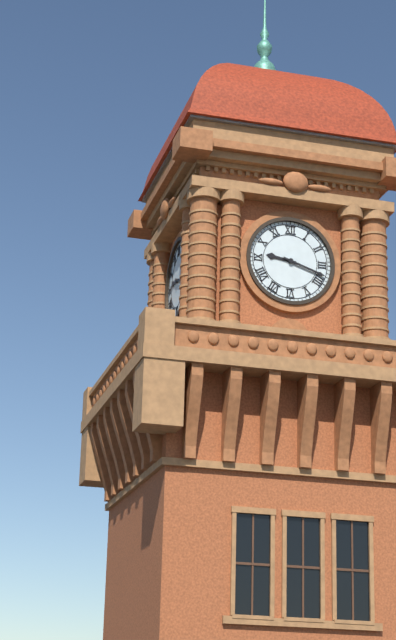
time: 9:18
